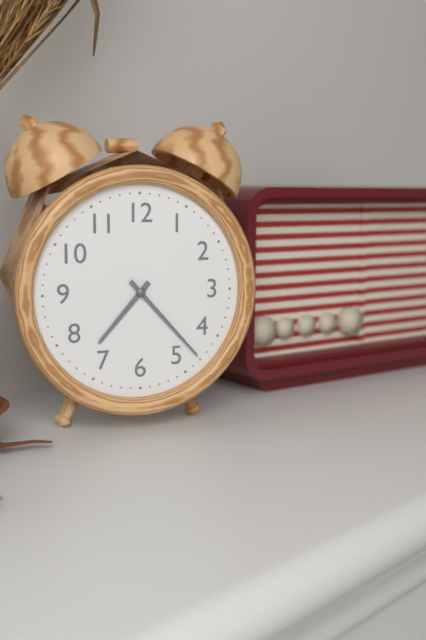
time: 7:23
